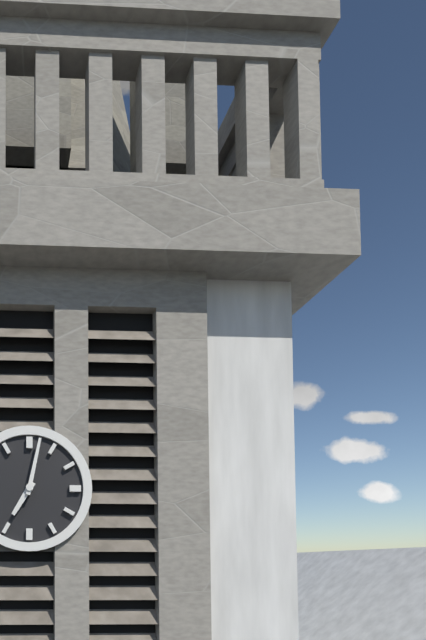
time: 7:02
